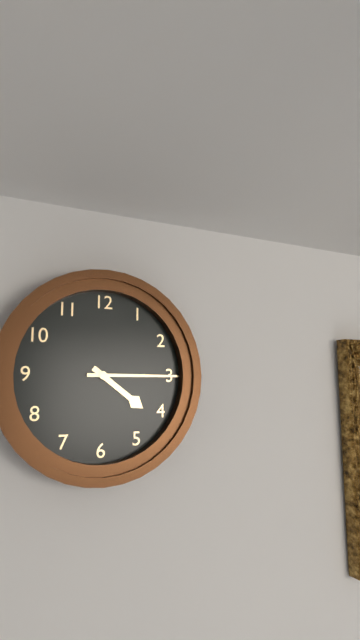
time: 4:15
